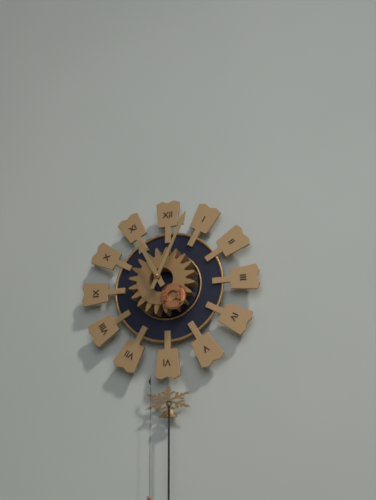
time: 11:04
